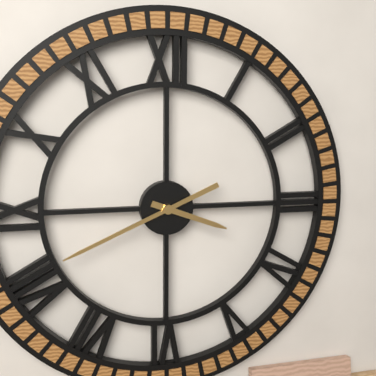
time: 3:41
